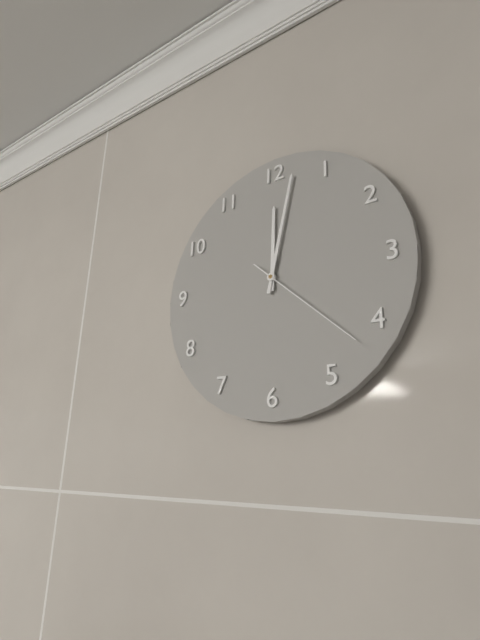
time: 12:02:22
